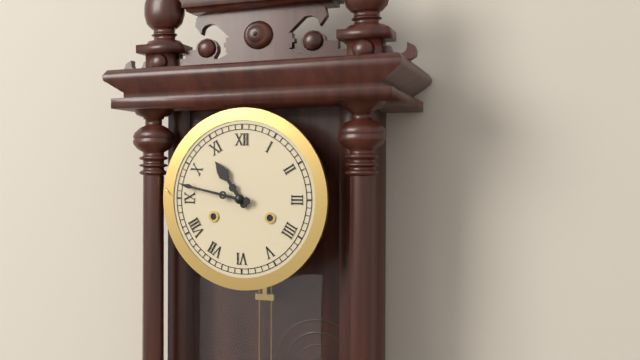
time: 10:47
